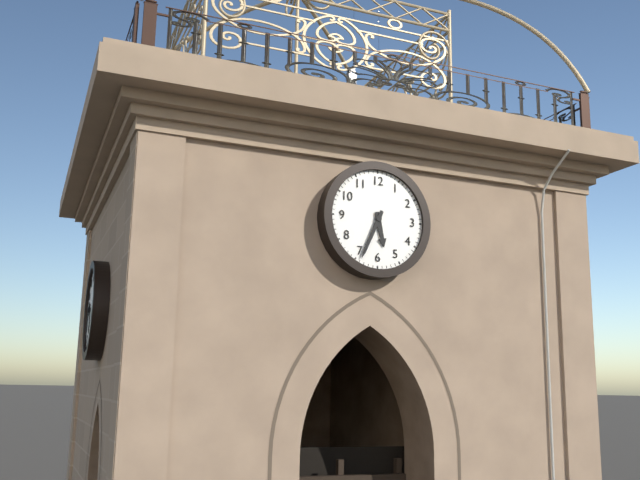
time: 5:34
